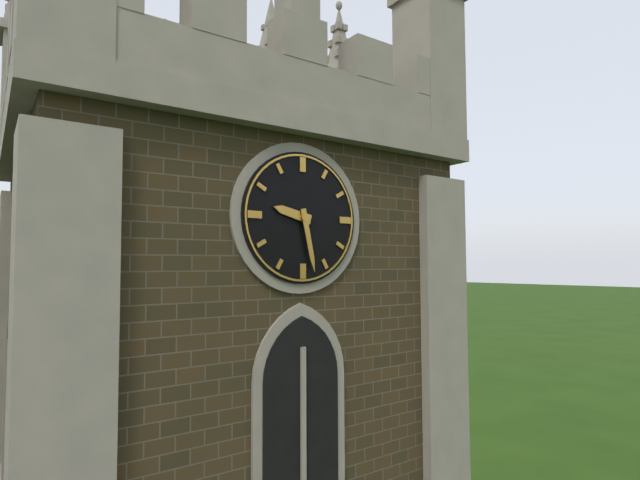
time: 9:28
